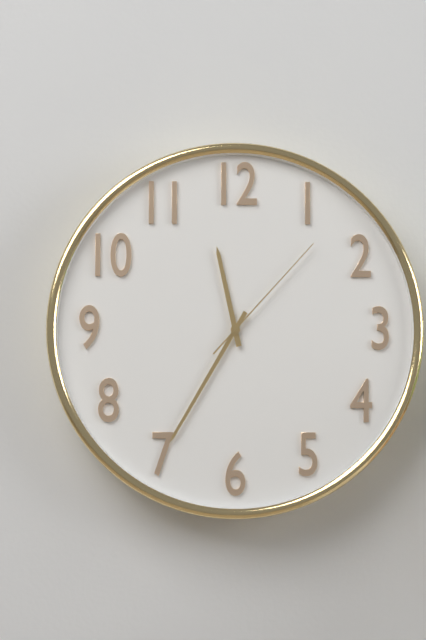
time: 11:35:07
